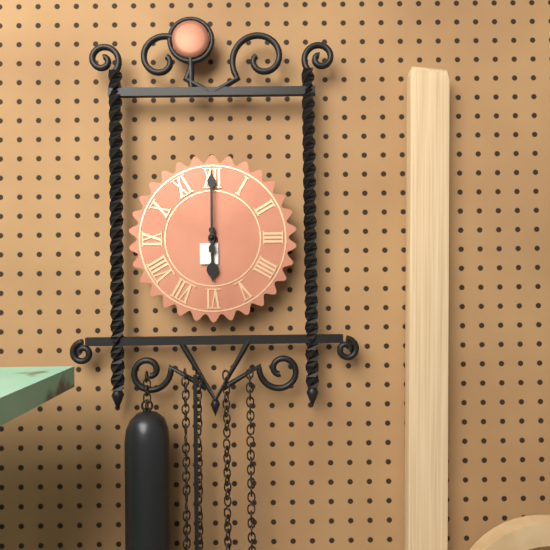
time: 6:00
